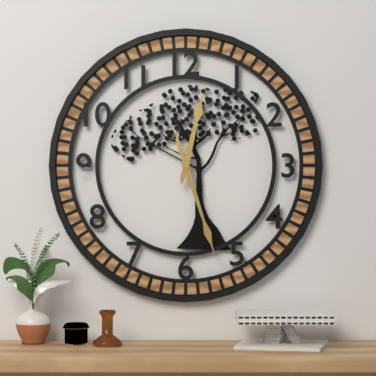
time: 12:27
